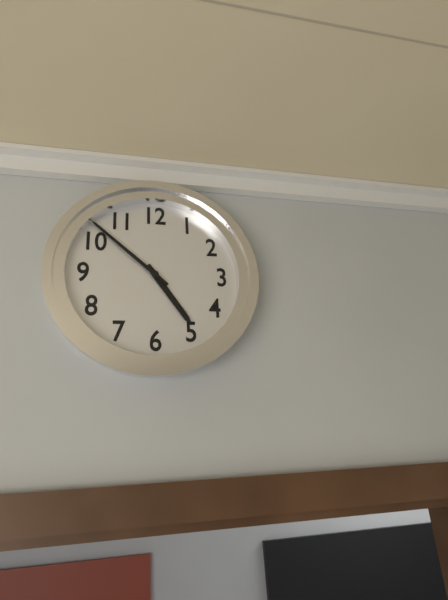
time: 4:52
